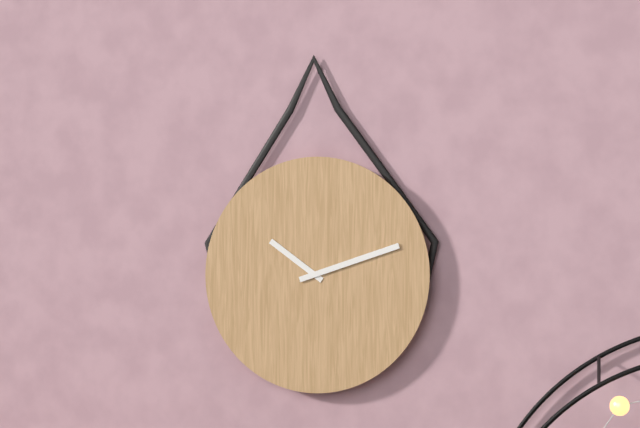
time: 10:12
